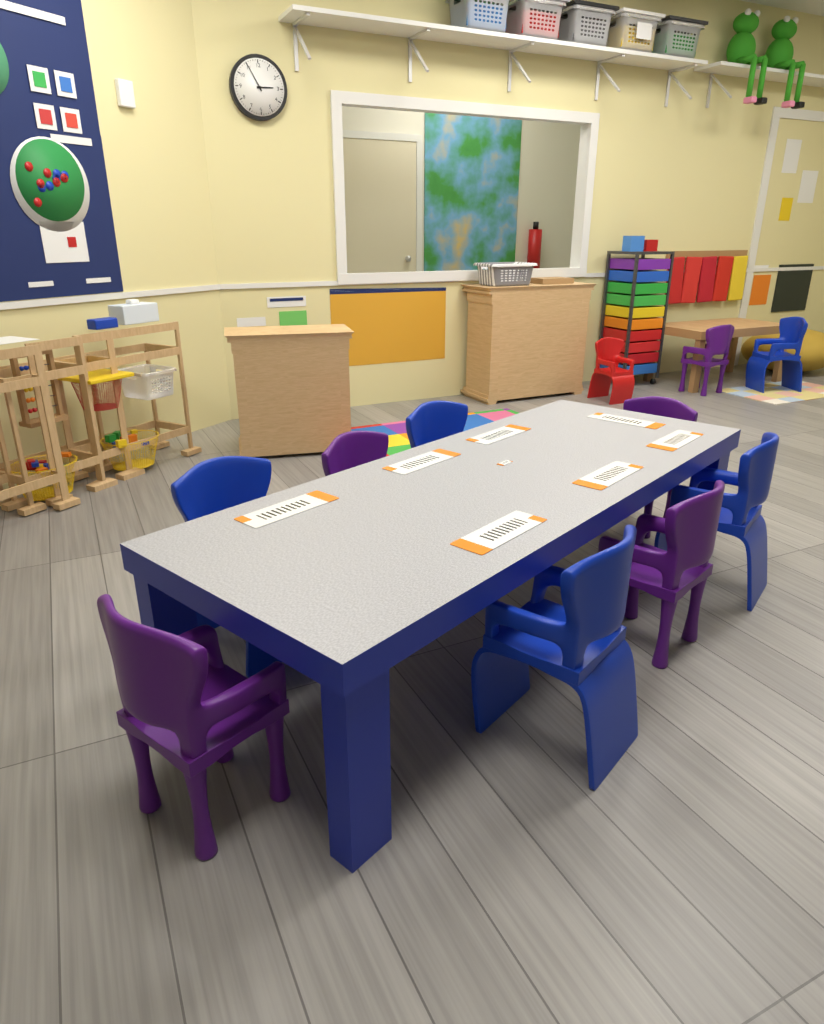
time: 2:55
